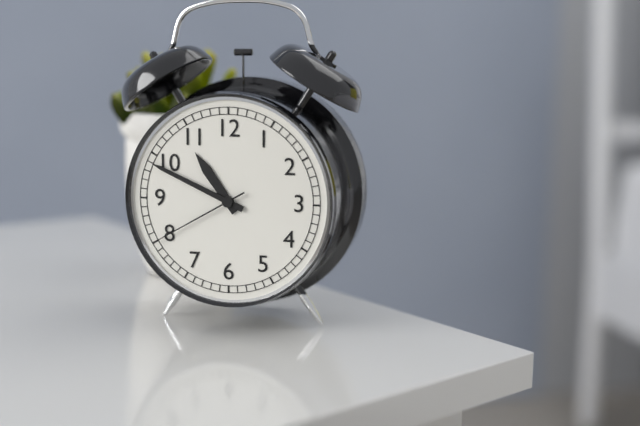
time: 10:49:40
